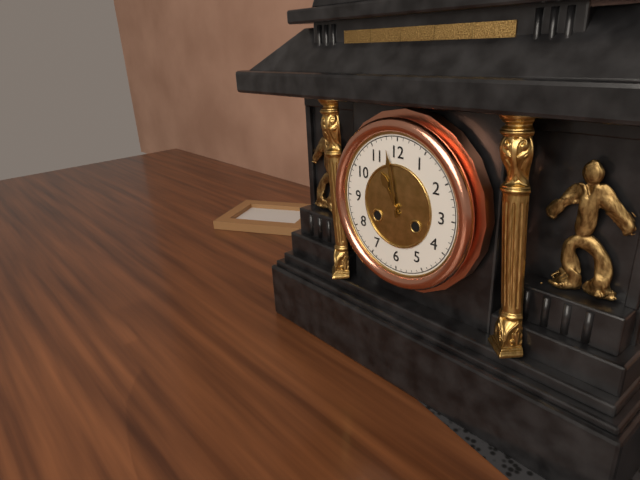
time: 10:58
